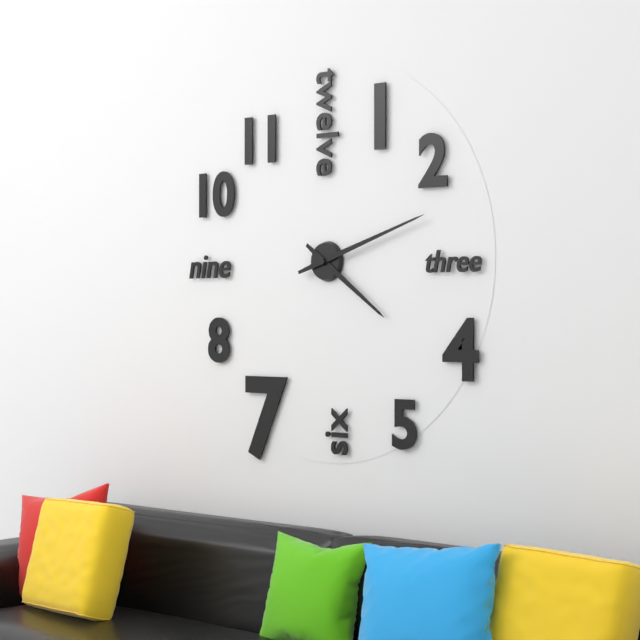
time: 4:12
